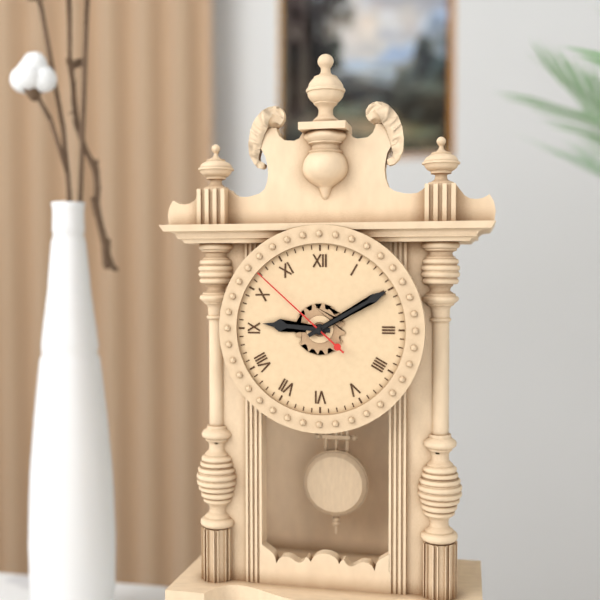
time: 9:10:52
